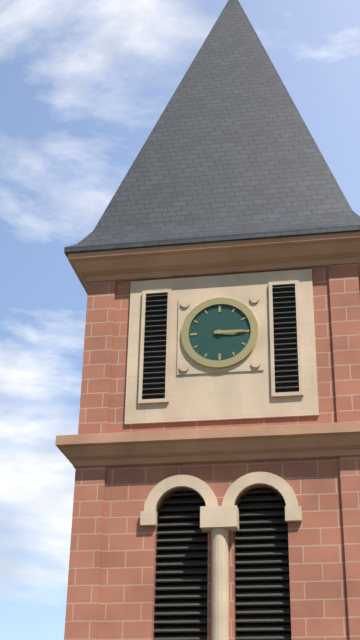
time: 3:15
